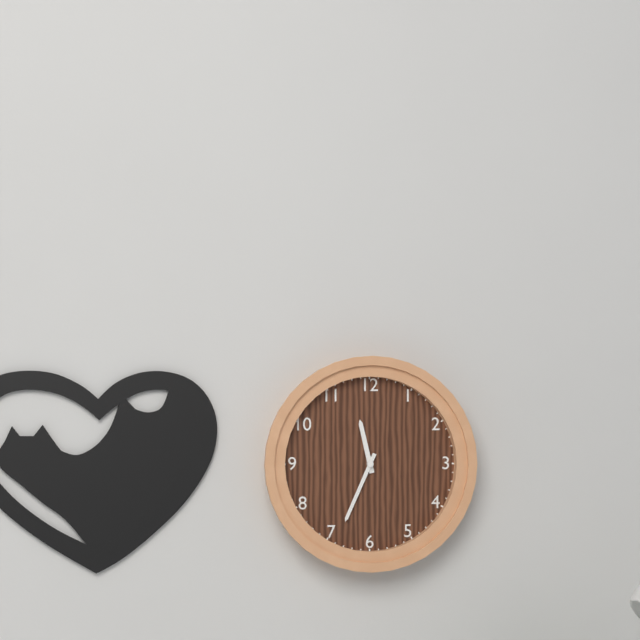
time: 11:34
